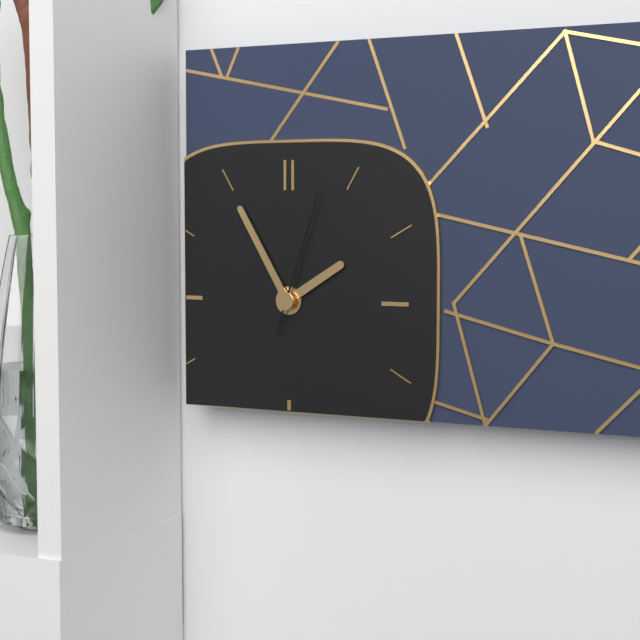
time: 1:55:03
